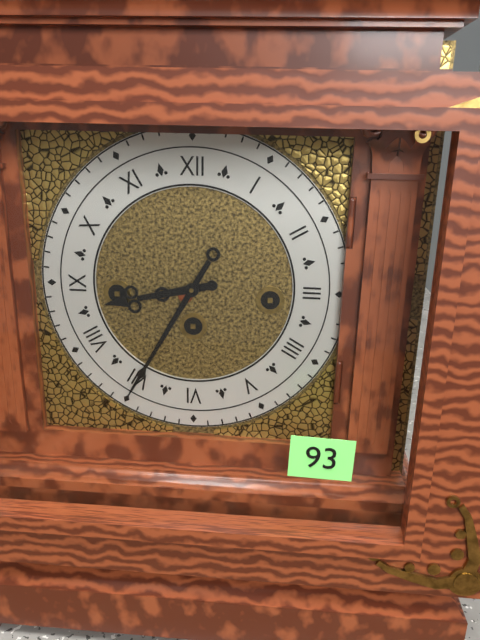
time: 8:35
